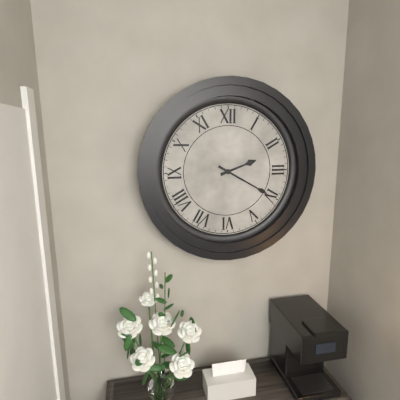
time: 2:20
